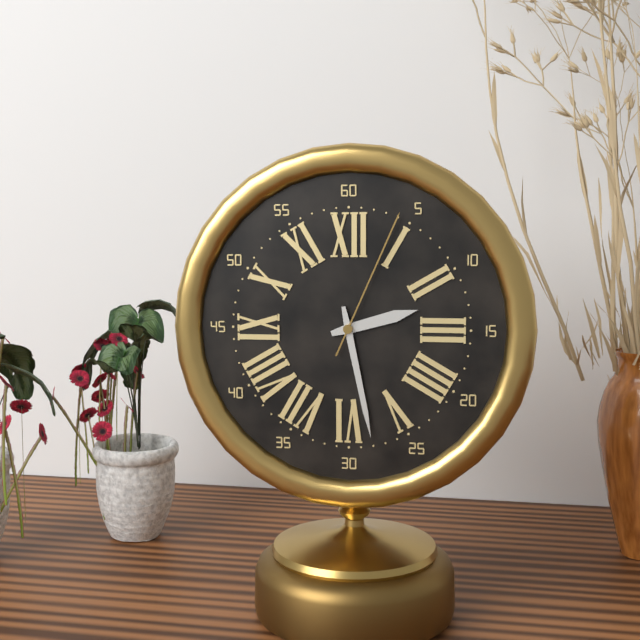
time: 2:28:04
